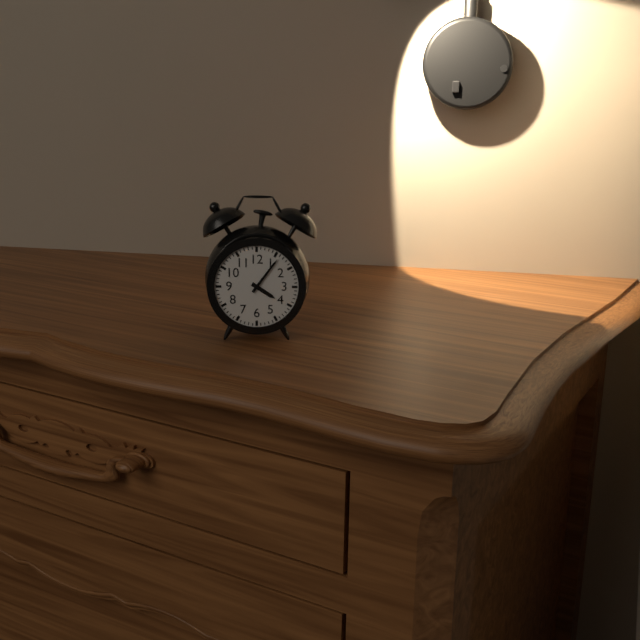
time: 4:06
